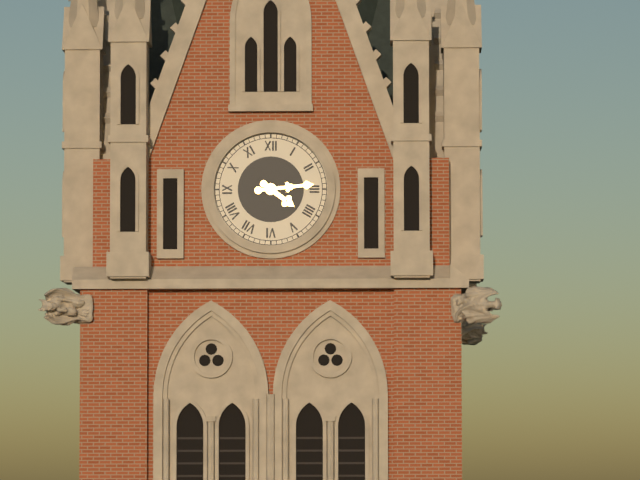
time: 4:14
